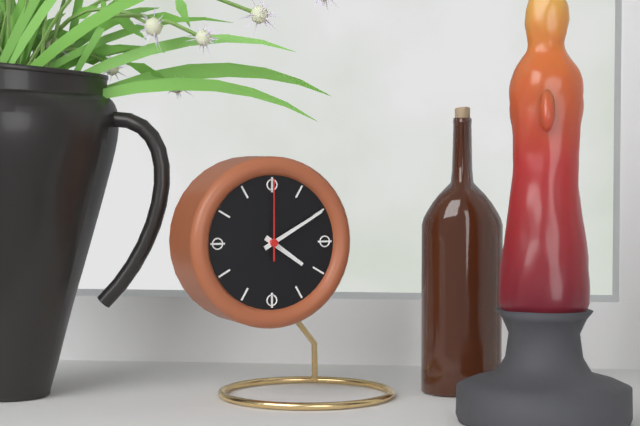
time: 4:10:00
